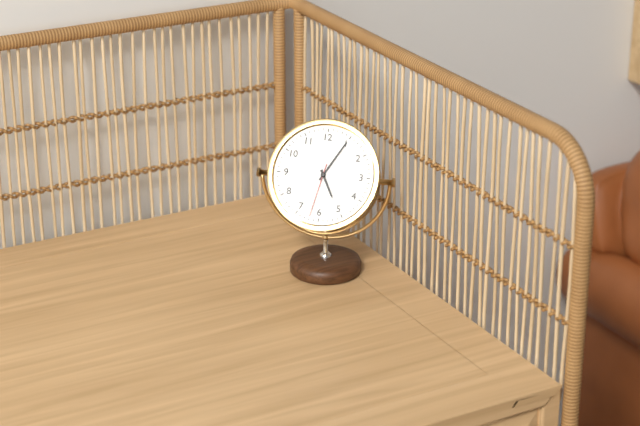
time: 5:05:32
